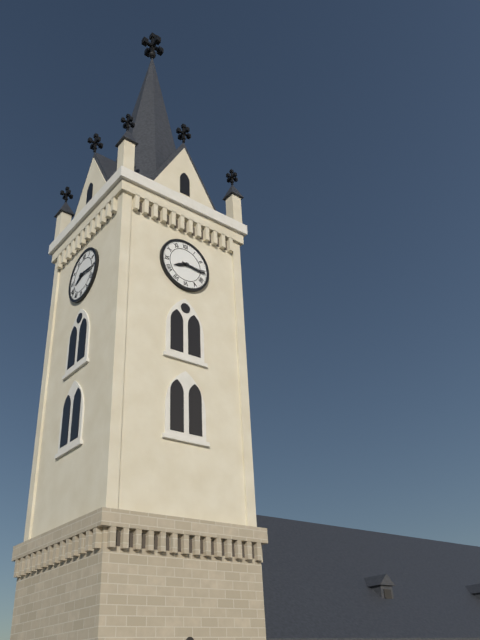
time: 8:16
